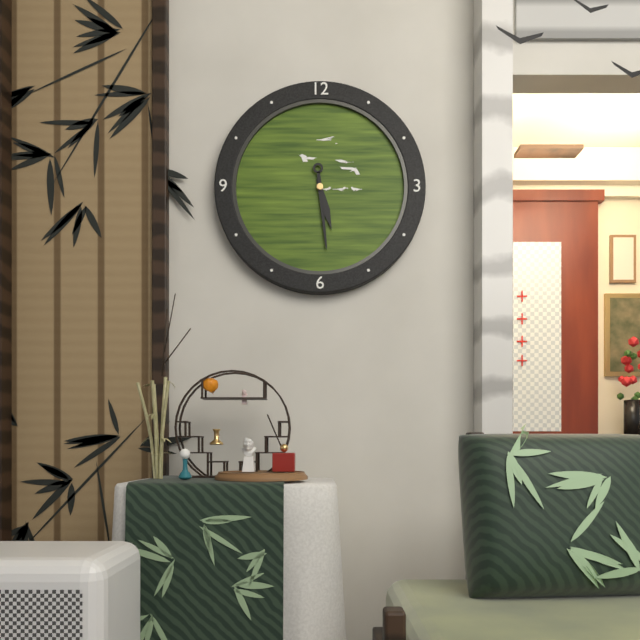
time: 5:29
